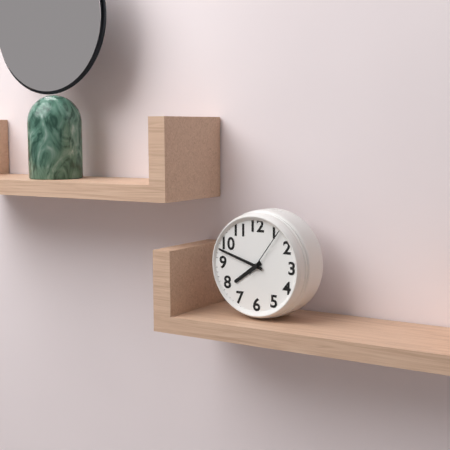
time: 7:48:06
